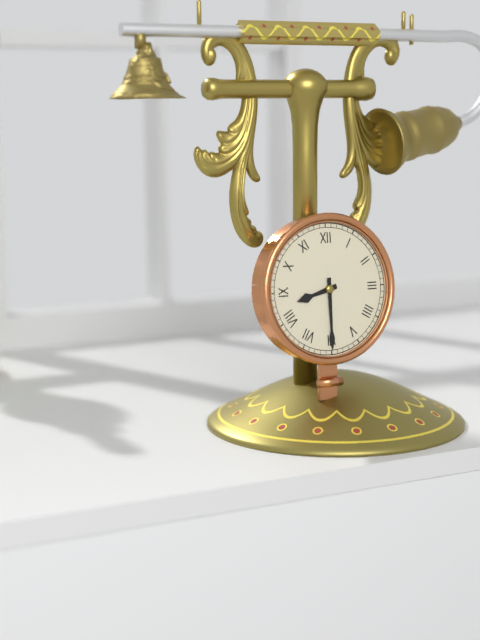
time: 8:30
